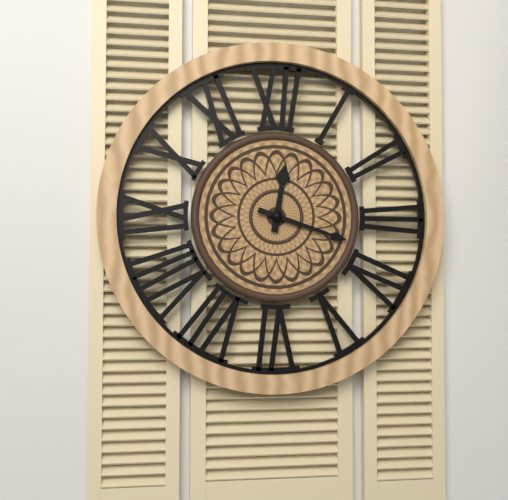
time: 12:18
